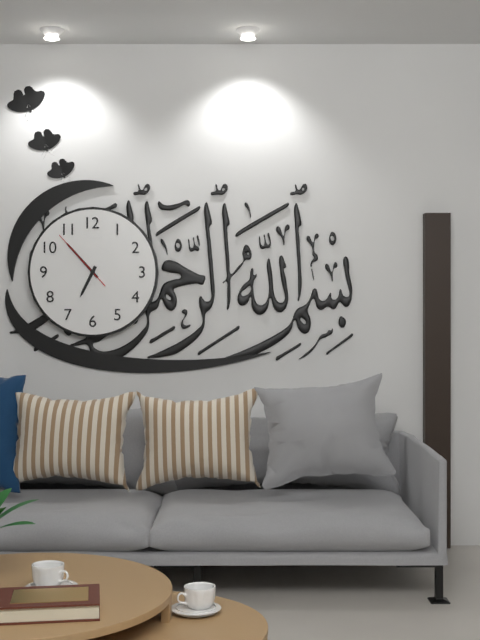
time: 6:53:53
